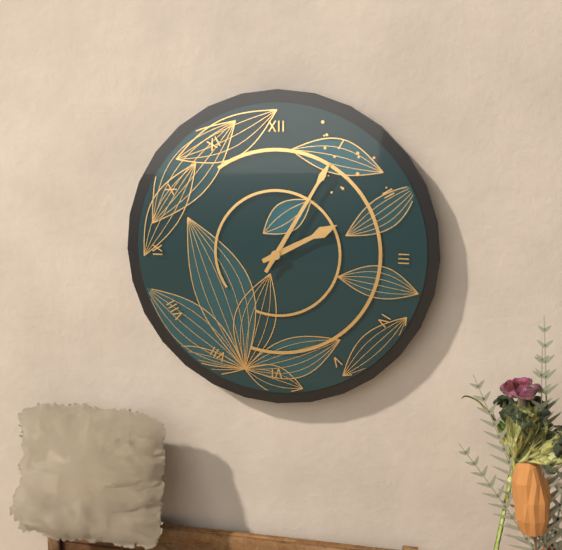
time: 2:05
